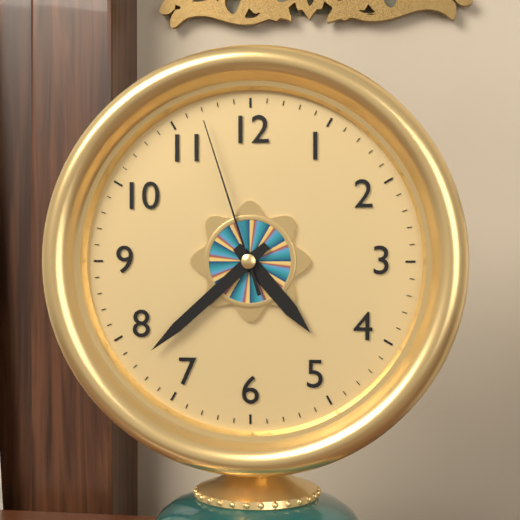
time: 4:38:57
